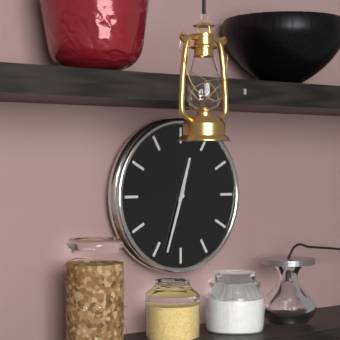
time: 12:33
